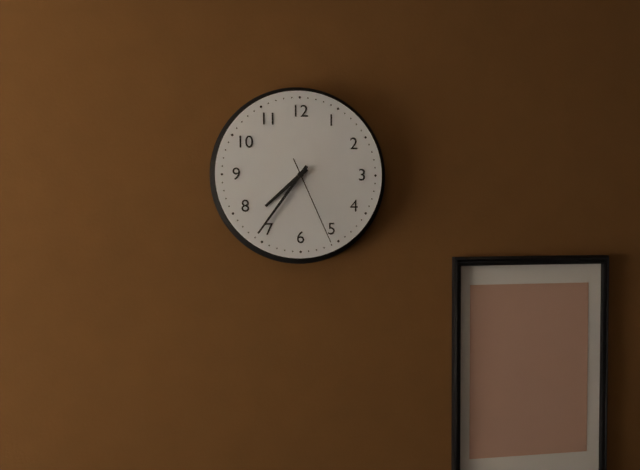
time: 7:36:26
